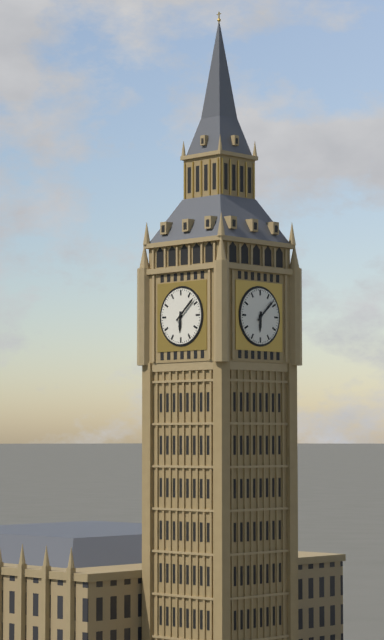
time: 6:08
